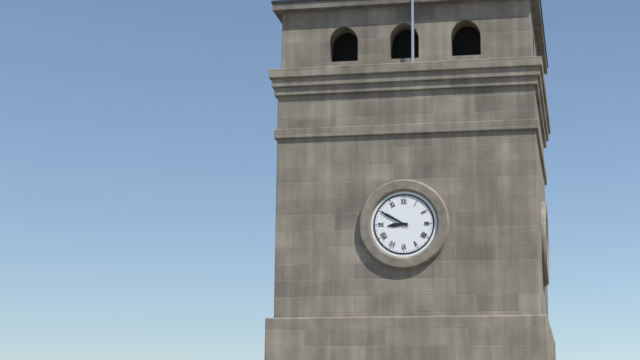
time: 8:50
